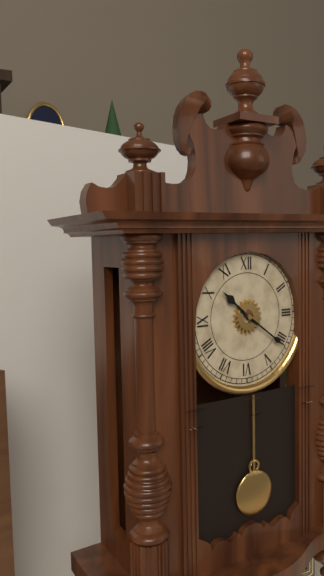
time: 10:21
